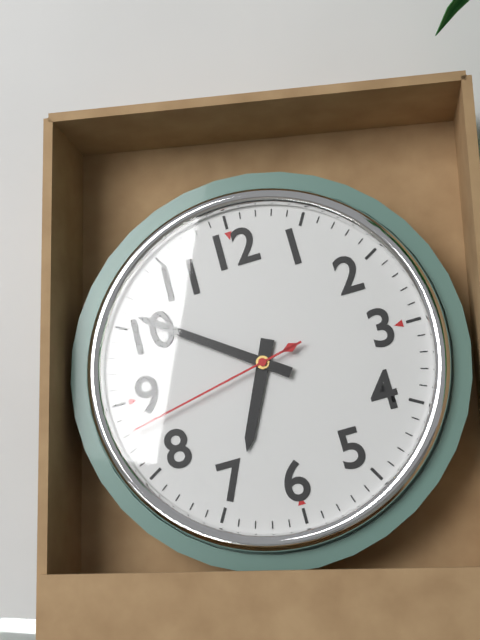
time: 6:51:43
